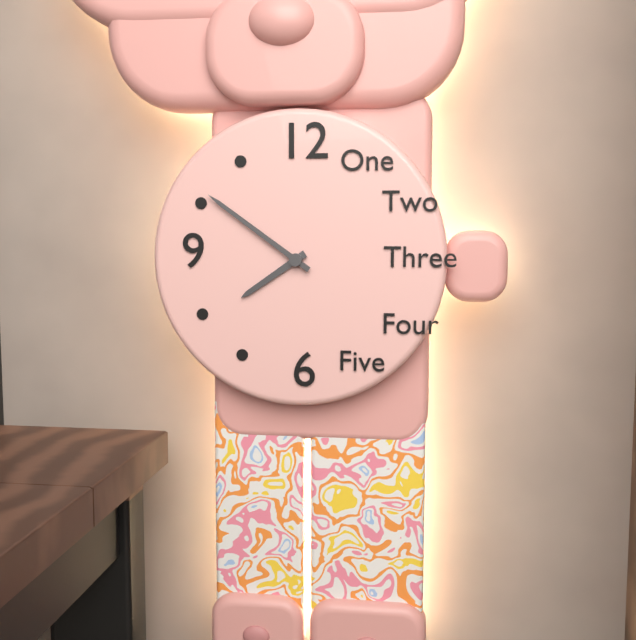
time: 7:51
